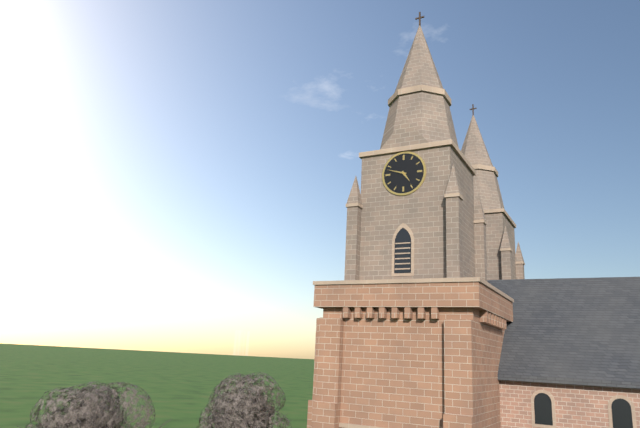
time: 4:48
